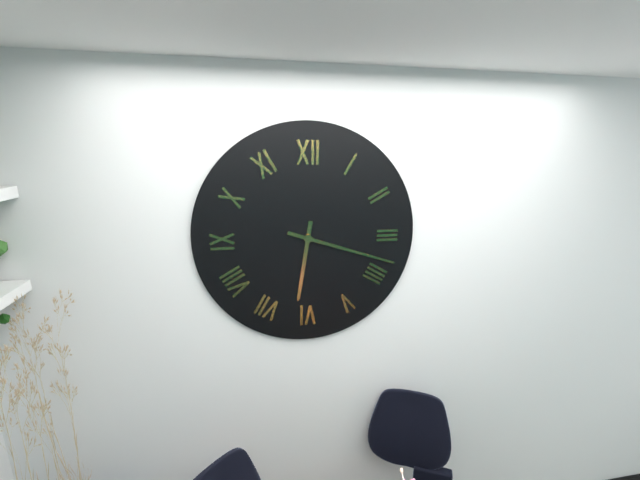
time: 6:18
